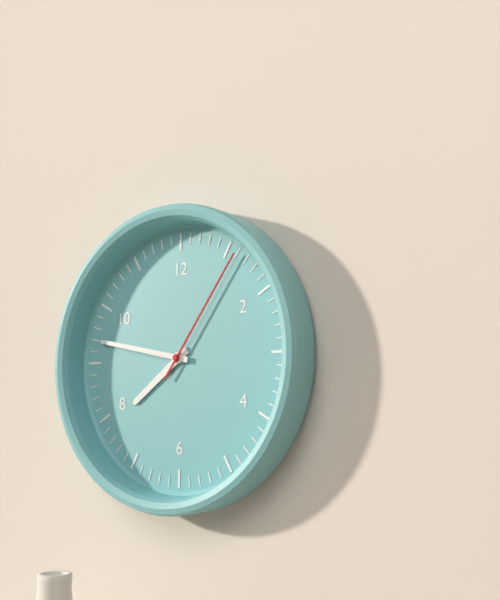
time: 7:47:06
